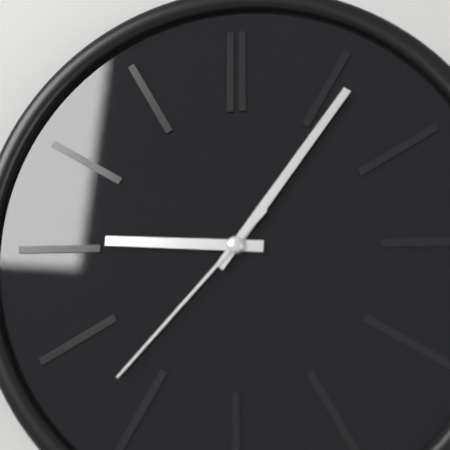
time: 9:06:37
